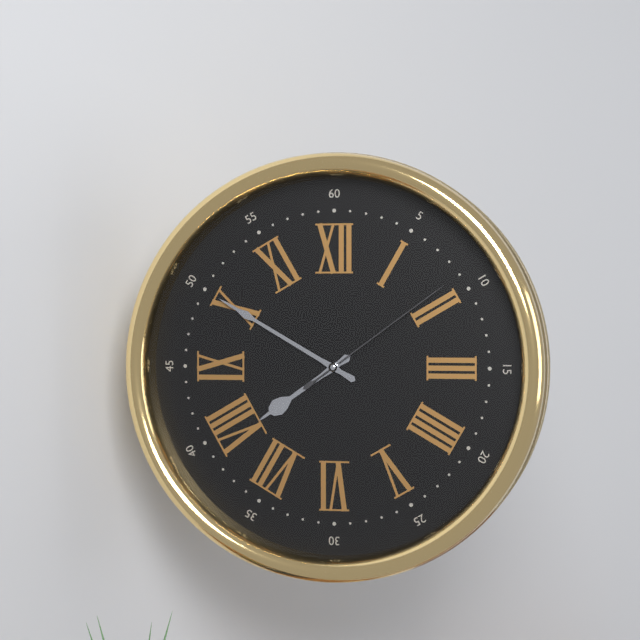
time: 7:50:09
